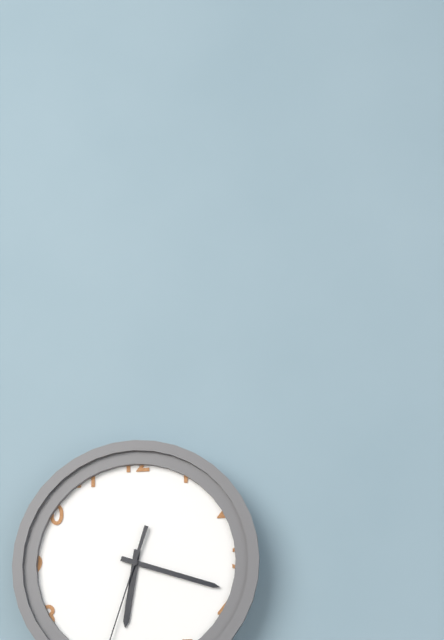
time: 6:18
